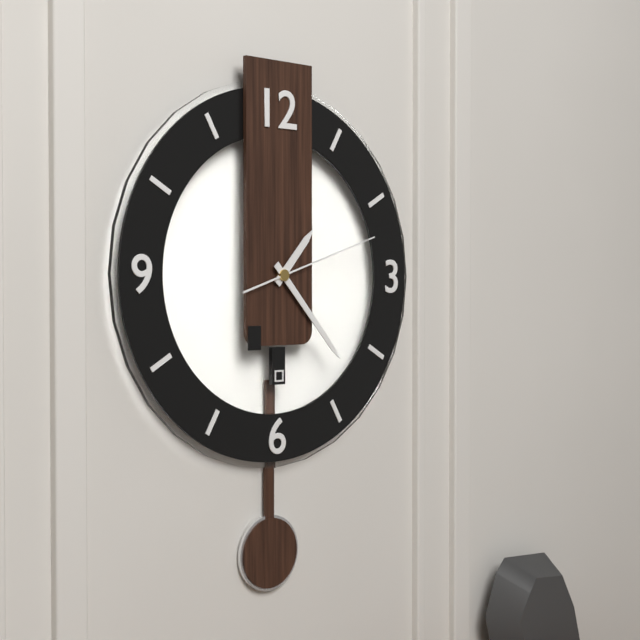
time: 1:23:12
